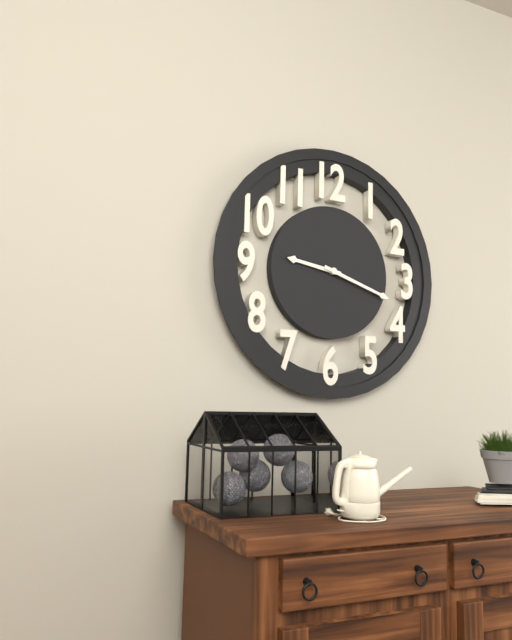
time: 9:18
